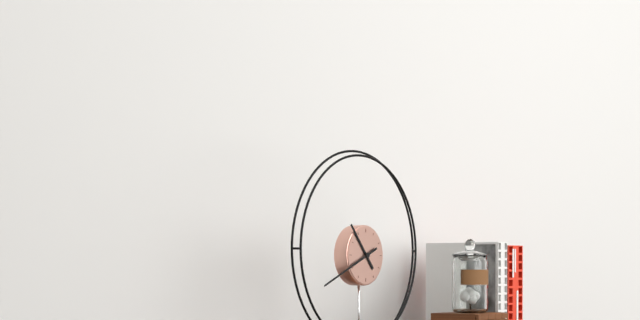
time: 10:41
